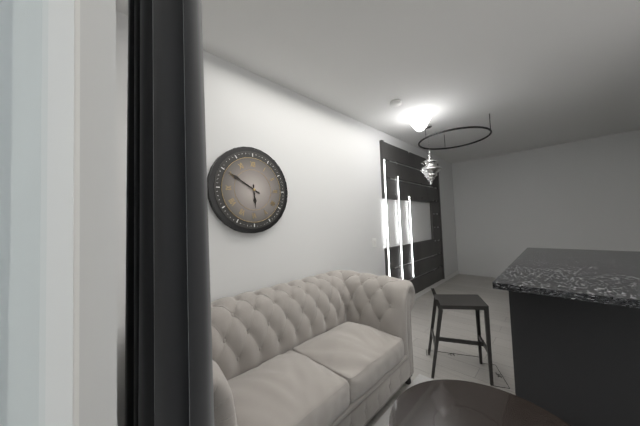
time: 5:50
